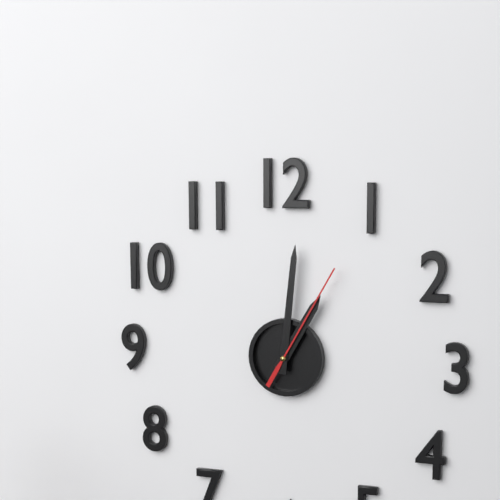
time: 1:01:05
